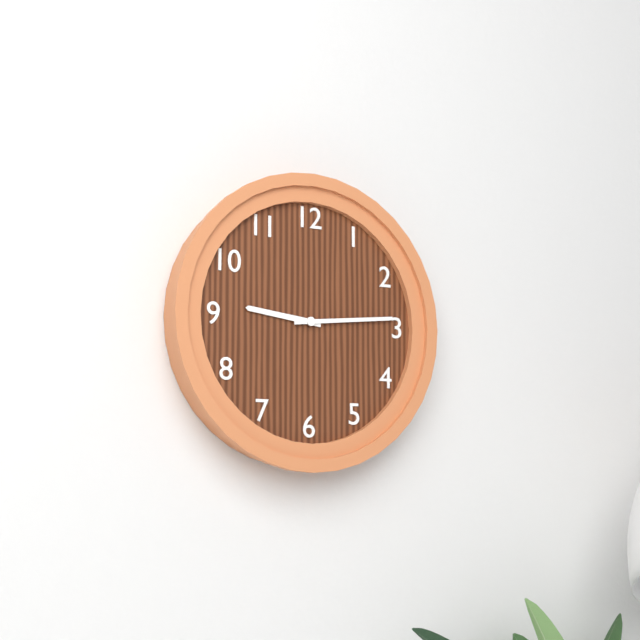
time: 9:14
